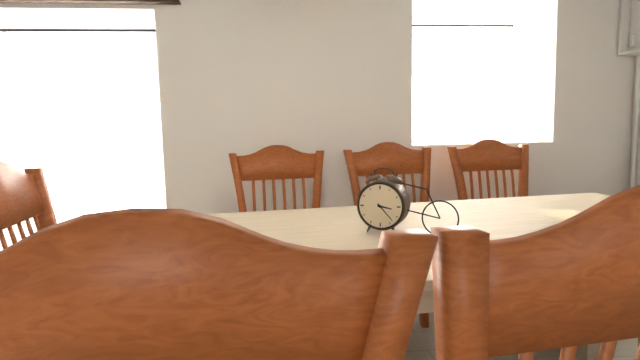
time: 3:23
